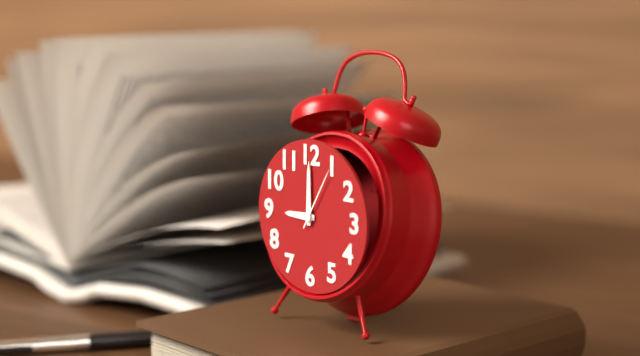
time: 9:00:05
